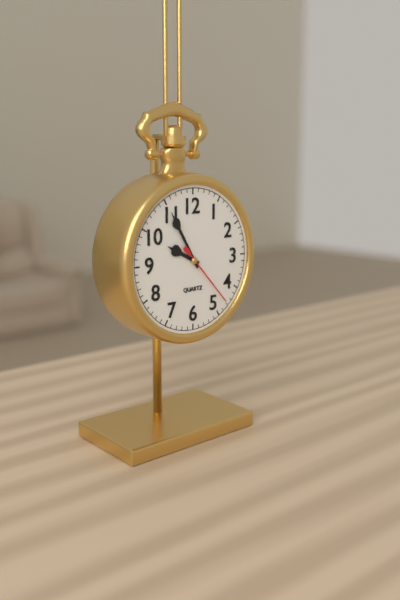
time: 9:55:23
